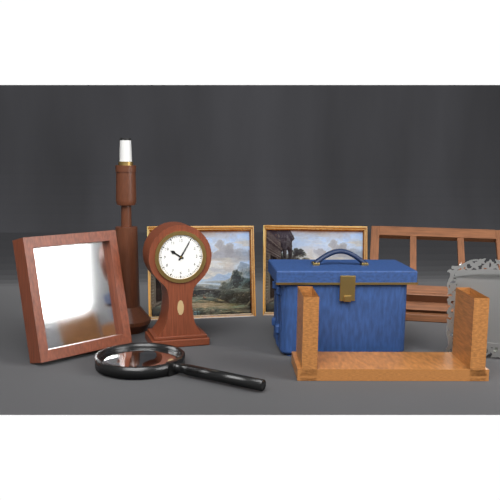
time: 10:05
